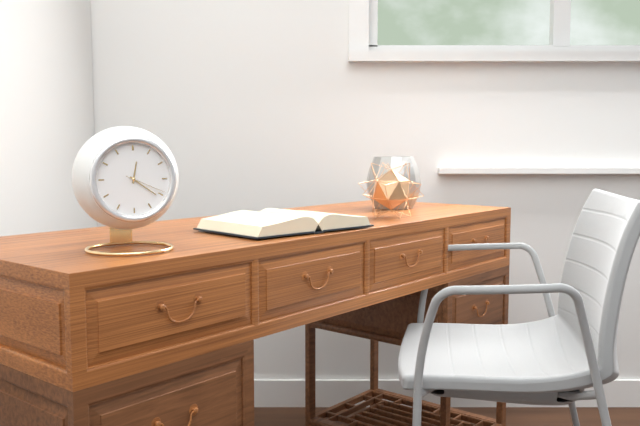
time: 12:21
